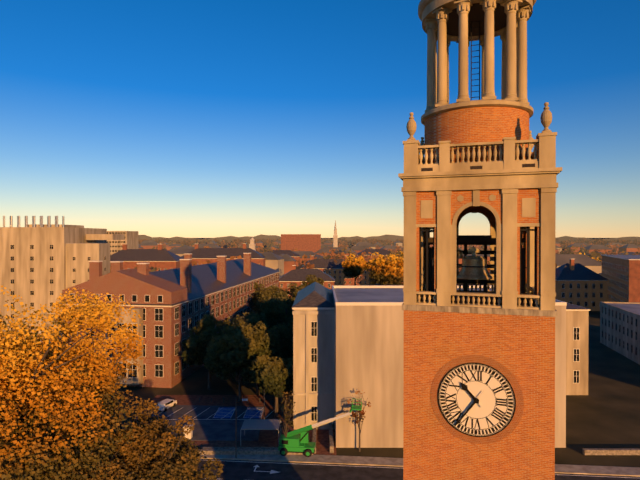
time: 10:36
